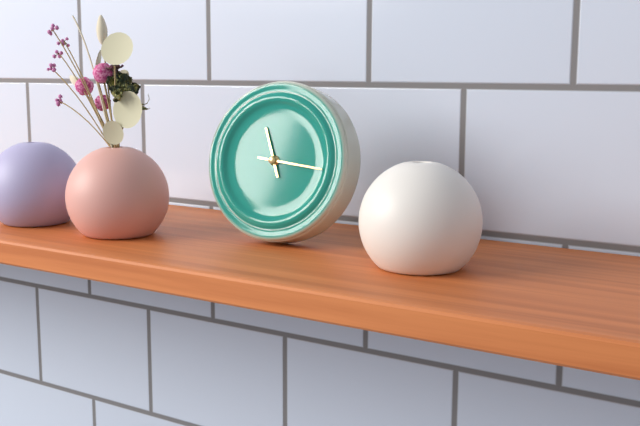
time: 11:16
